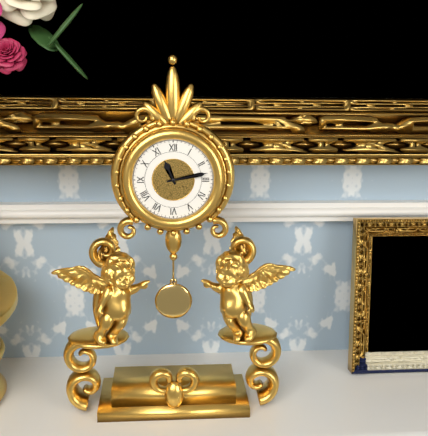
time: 11:13
